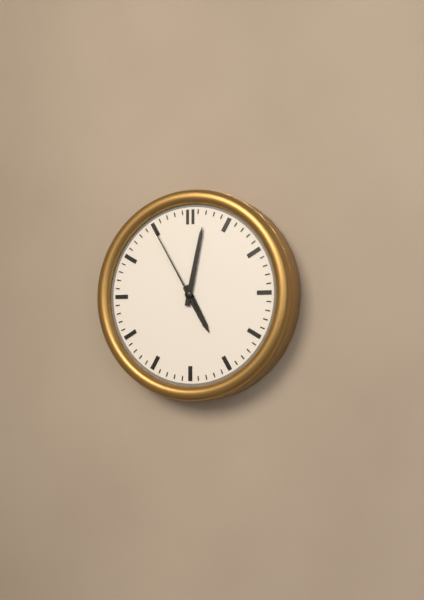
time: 5:02:55
